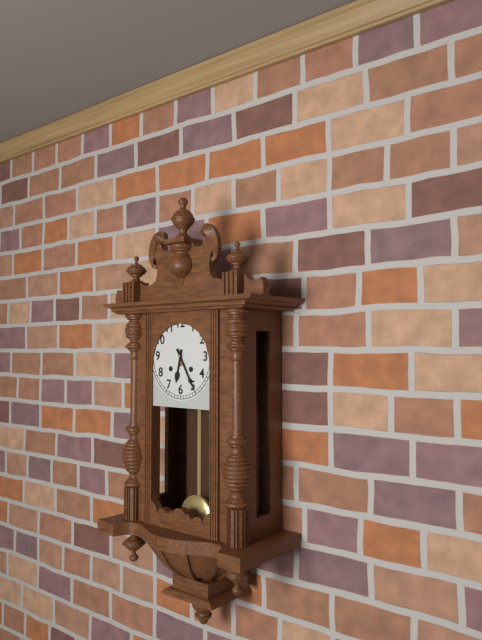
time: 6:25
